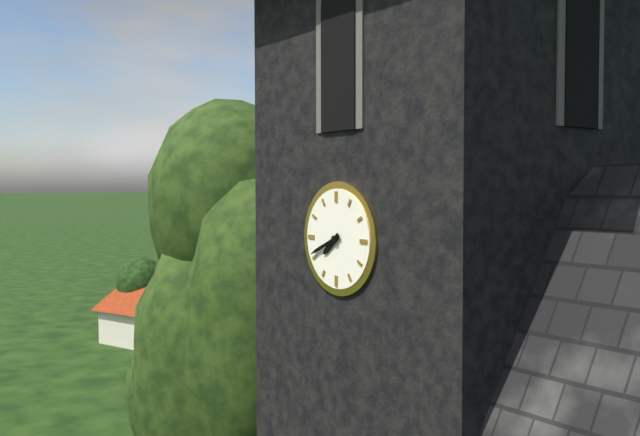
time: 7:41
